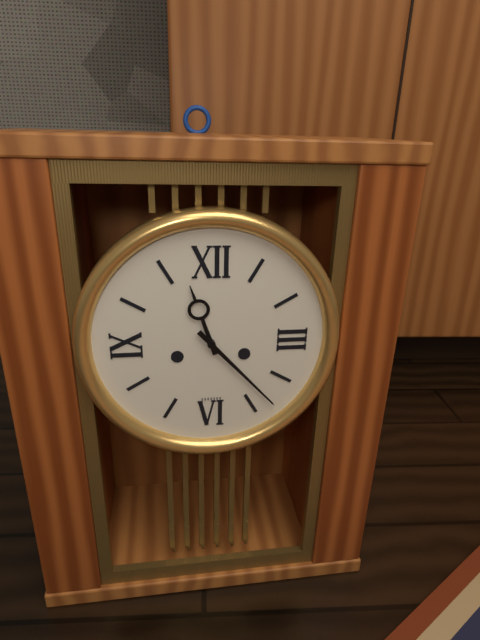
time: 11:23
